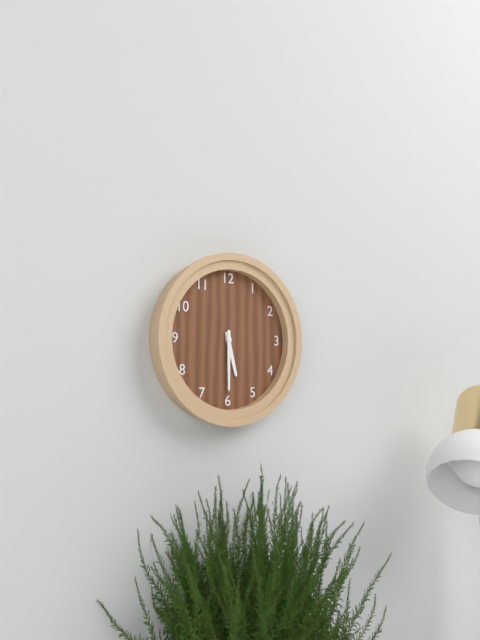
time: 5:30
